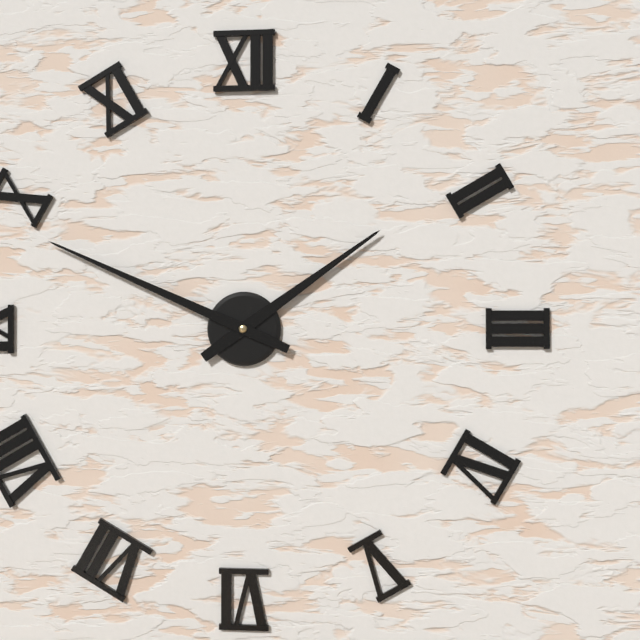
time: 1:49
